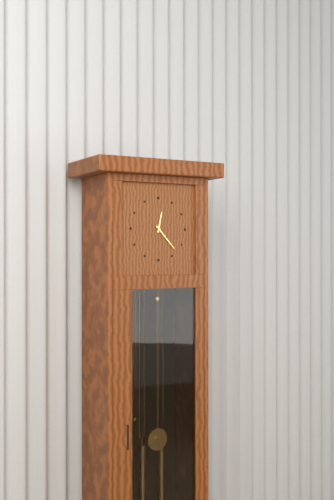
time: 12:23
